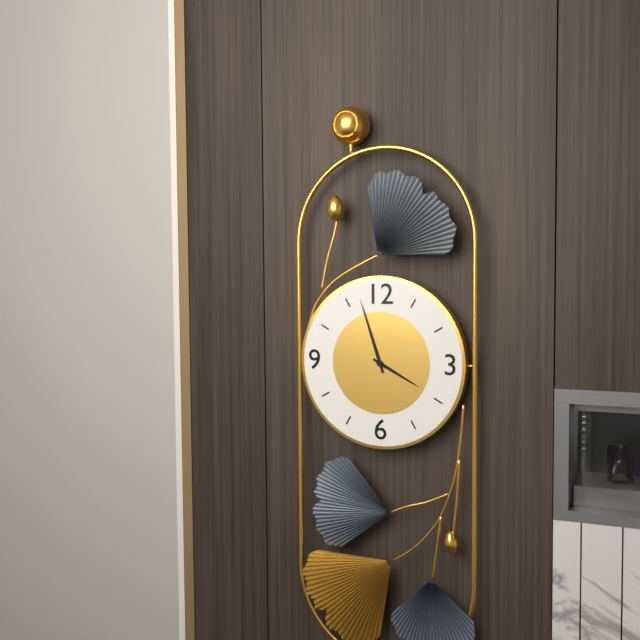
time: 3:57
